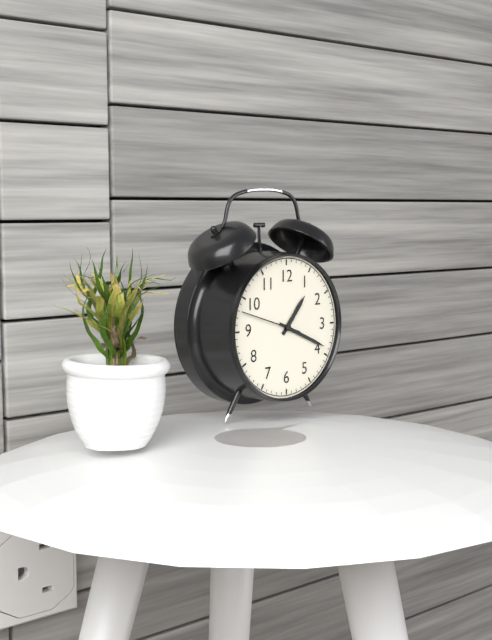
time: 1:19:48
